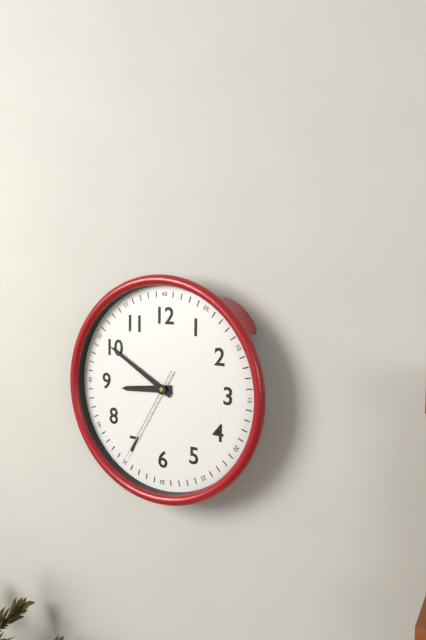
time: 8:50:35
